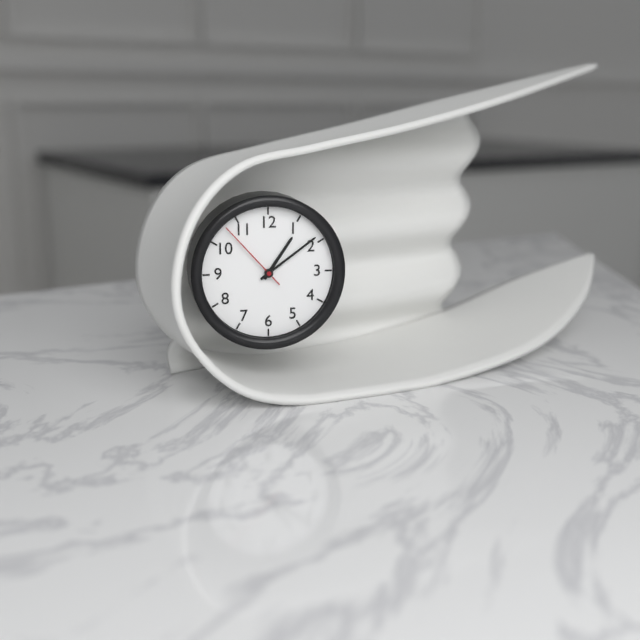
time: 1:09:53
